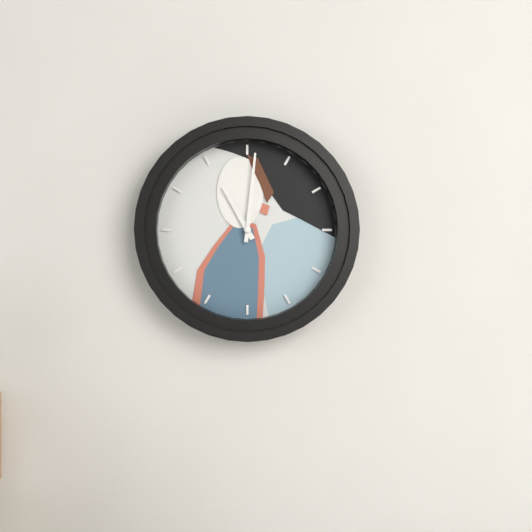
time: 11:01
